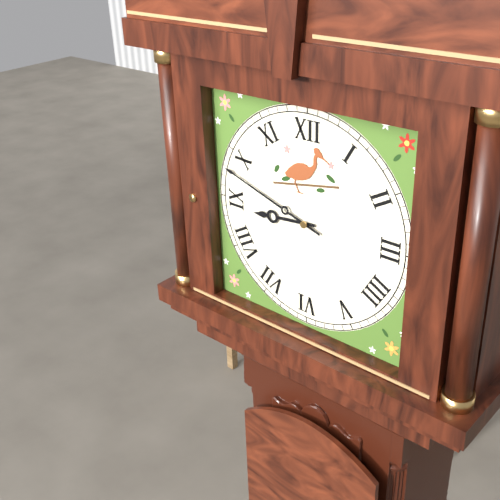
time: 8:48
